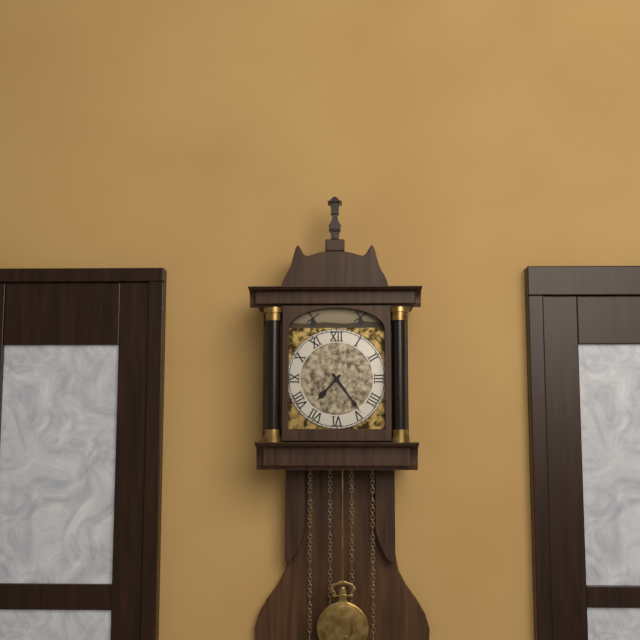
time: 7:24
